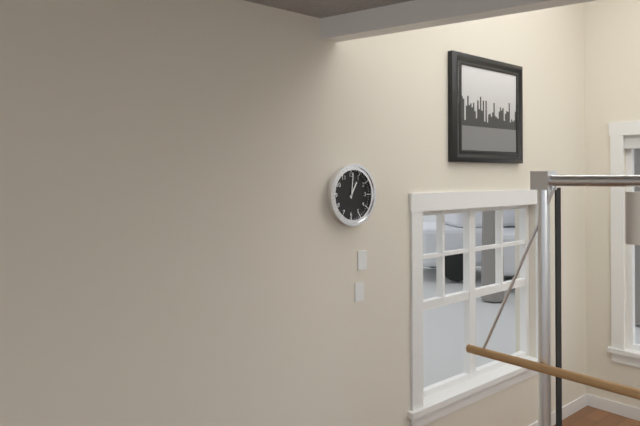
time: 1:01
